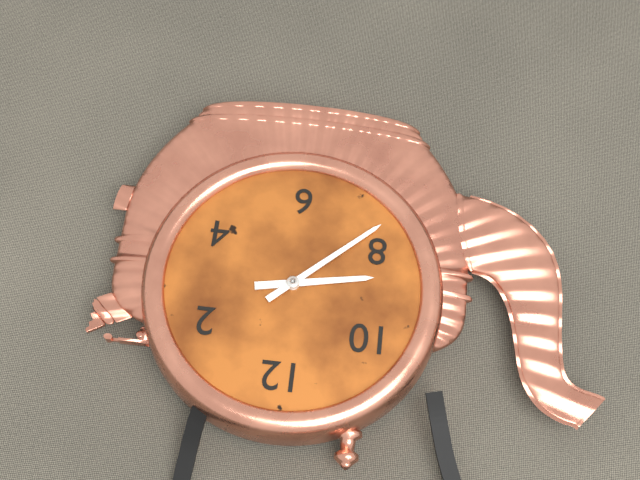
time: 8:38
